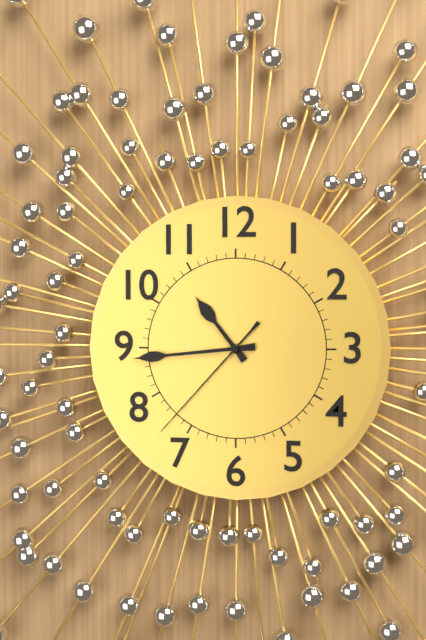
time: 10:44:37
